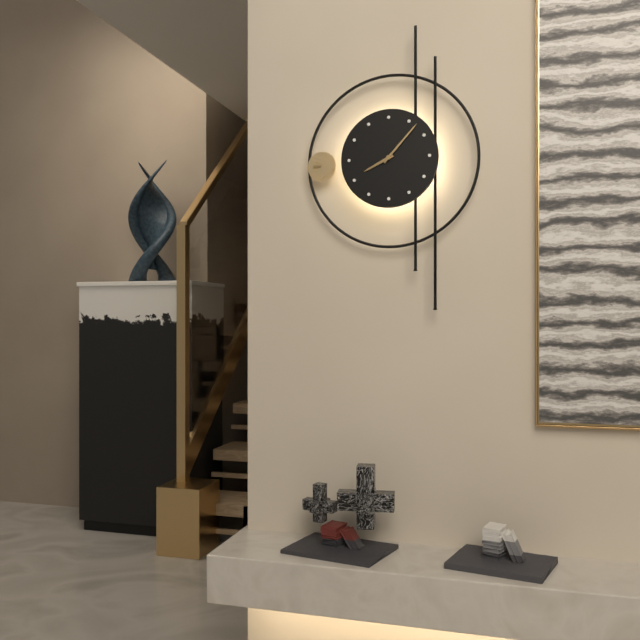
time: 8:07
